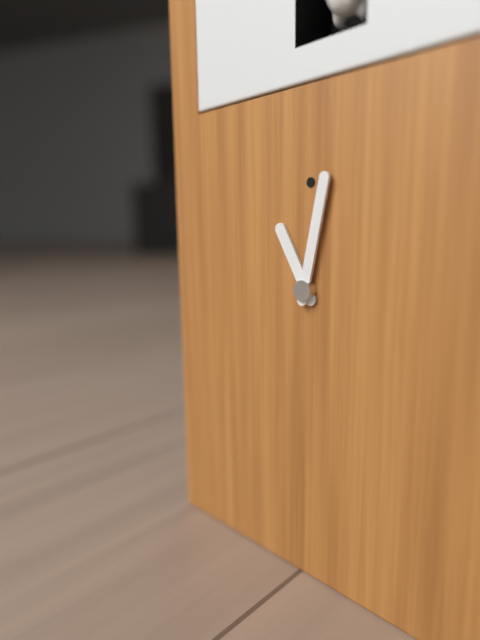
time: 11:02
